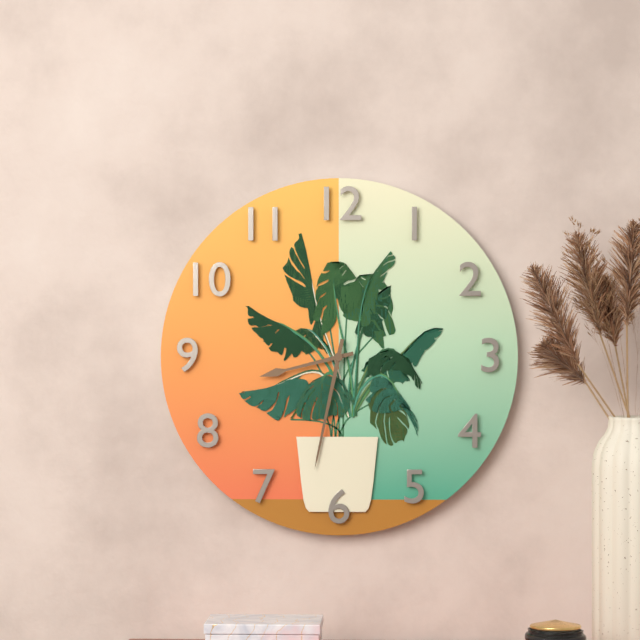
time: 8:32
